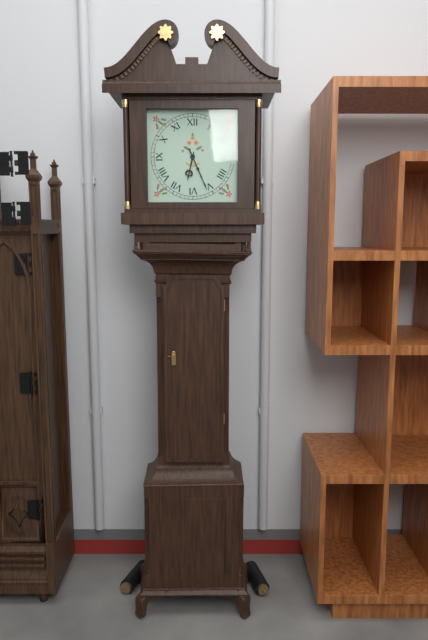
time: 6:26
